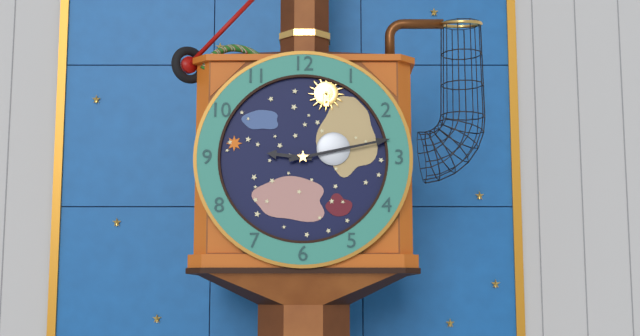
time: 9:13
